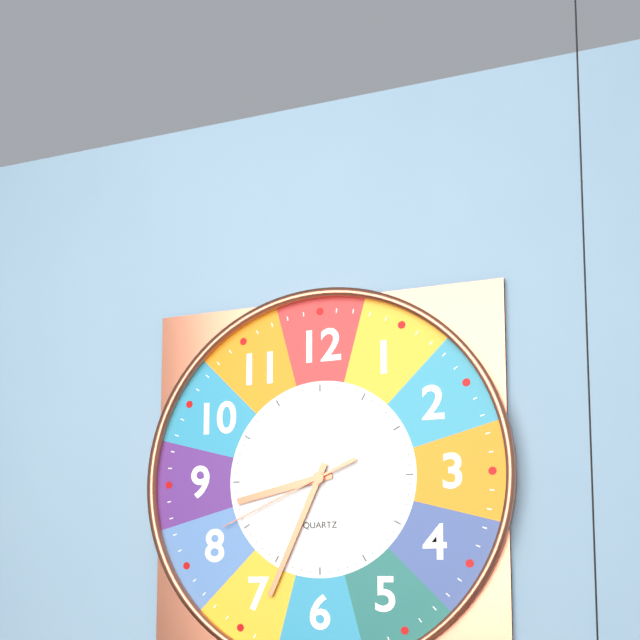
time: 8:34:41
